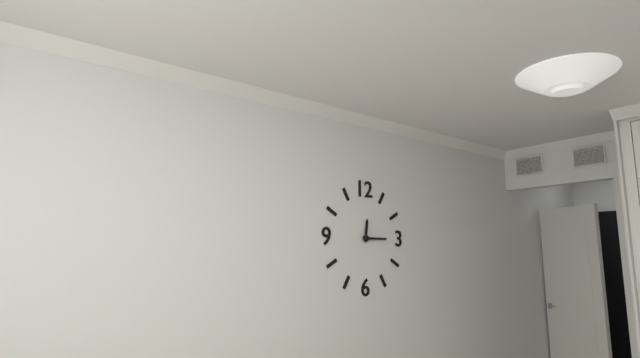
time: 12:15
